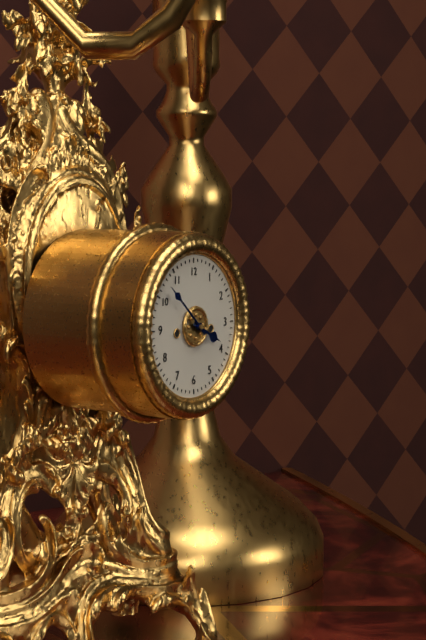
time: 3:52
